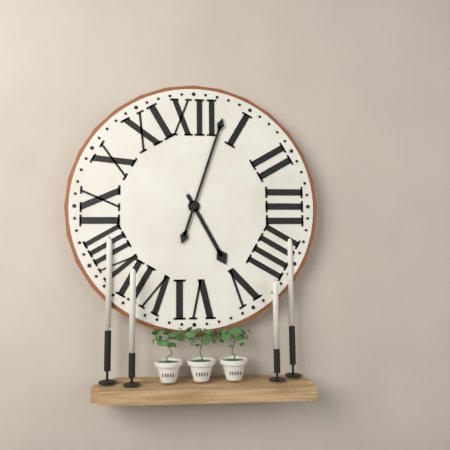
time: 5:03
